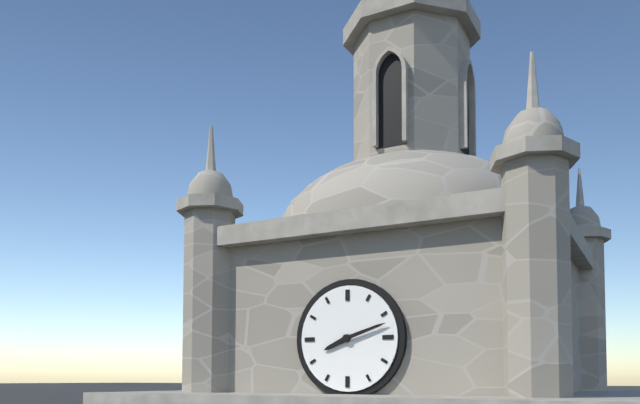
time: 8:12
